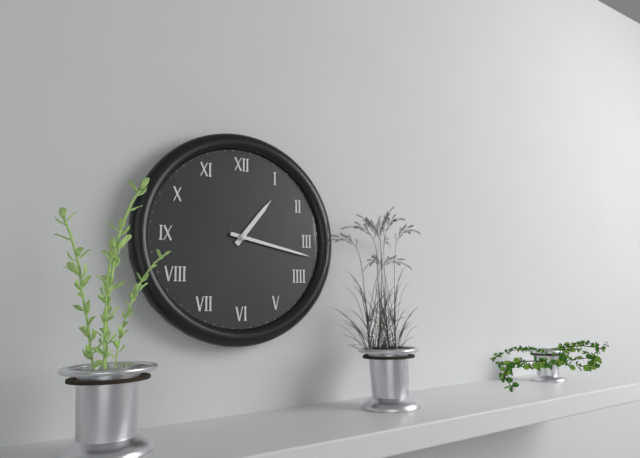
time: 1:17
